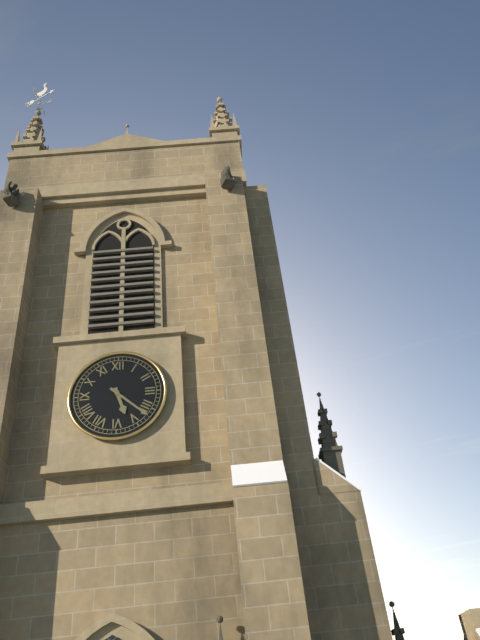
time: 5:22
